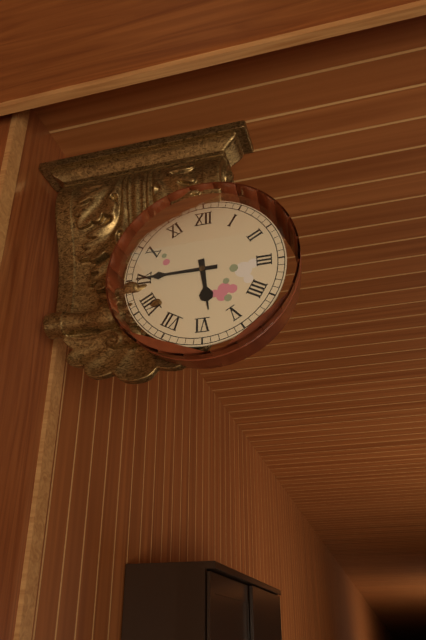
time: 5:45
